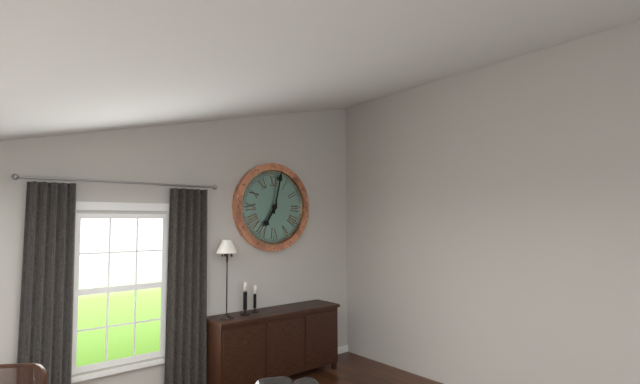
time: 7:02
